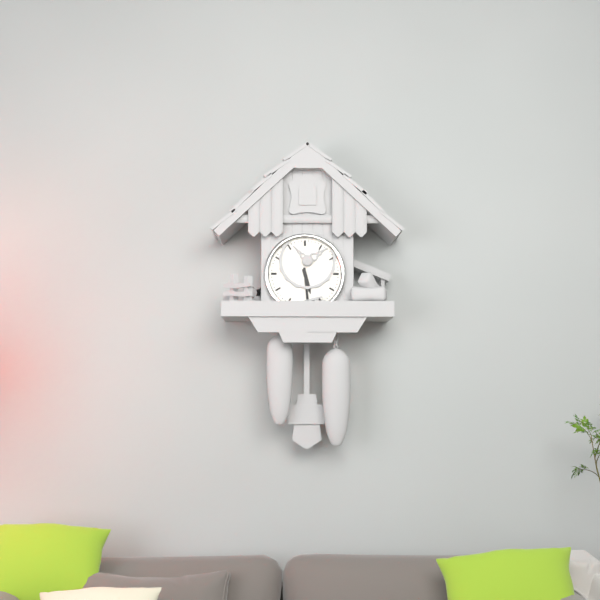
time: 5:29
